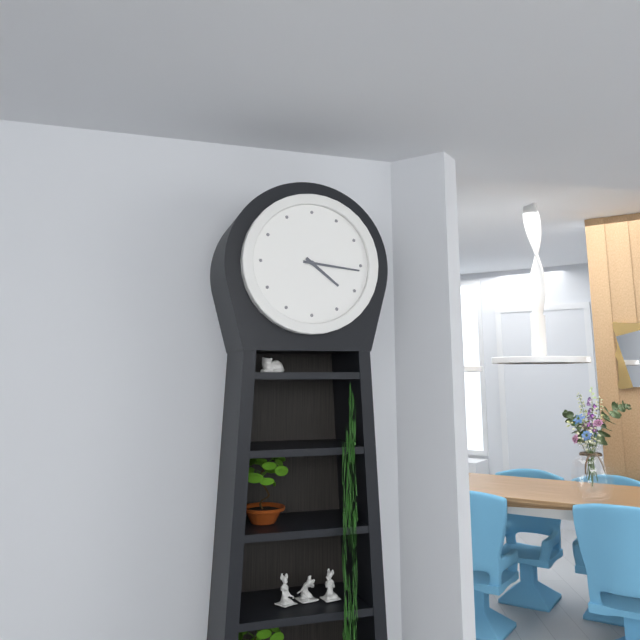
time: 4:16
